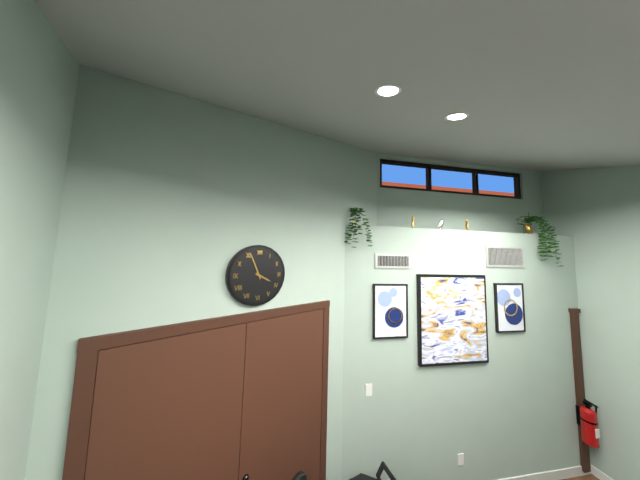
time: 3:56
